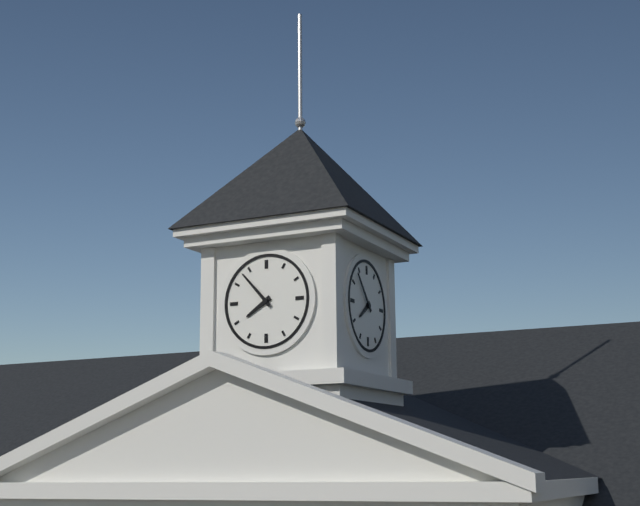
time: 7:53
